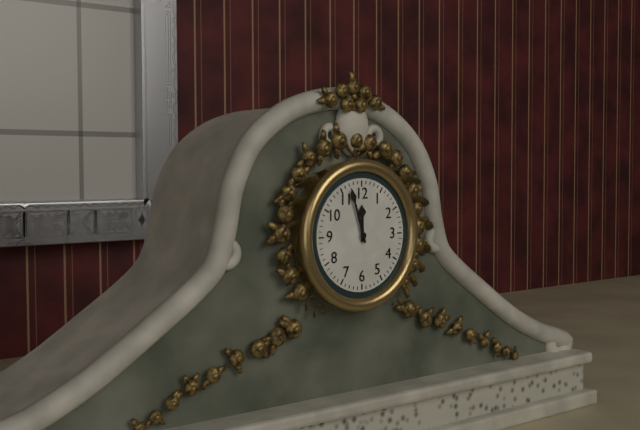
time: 11:57
